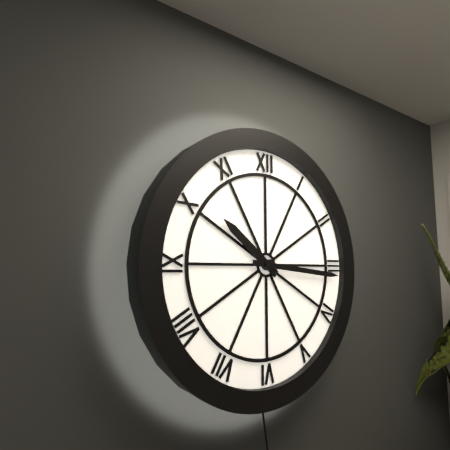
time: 10:16
